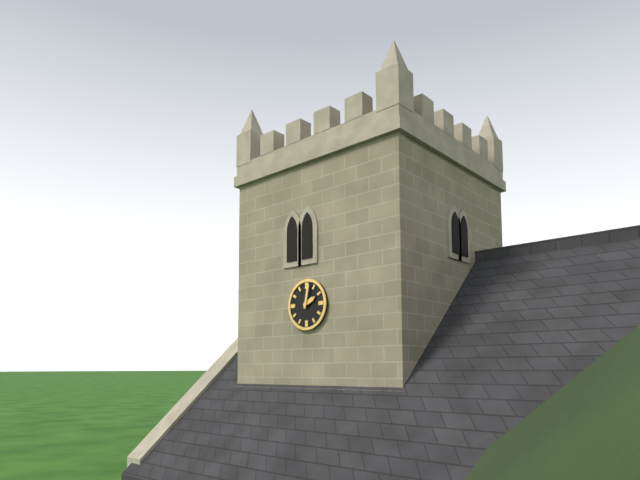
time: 2:02
